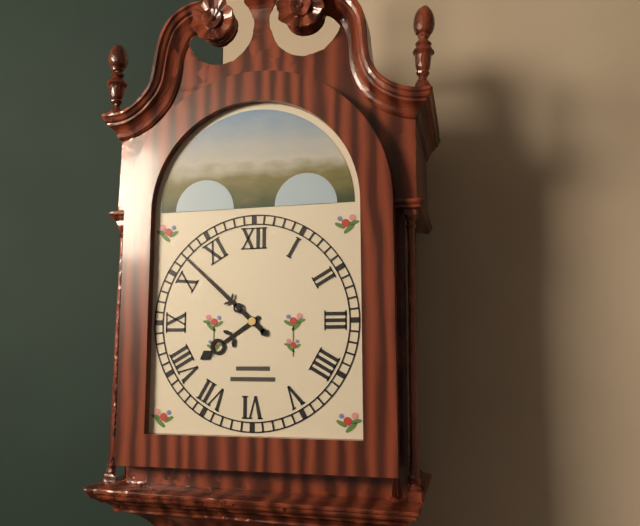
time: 7:52
